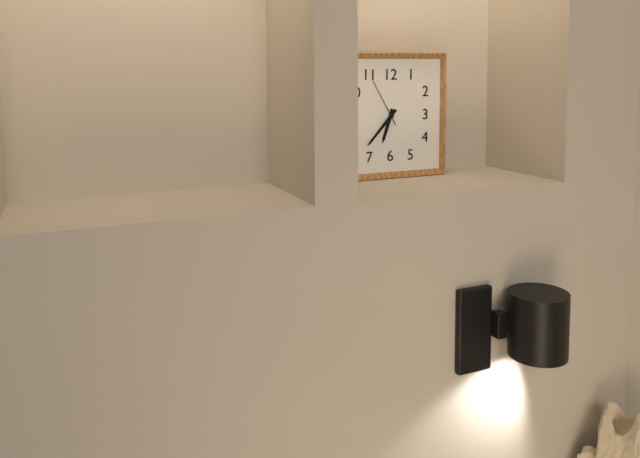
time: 6:37
